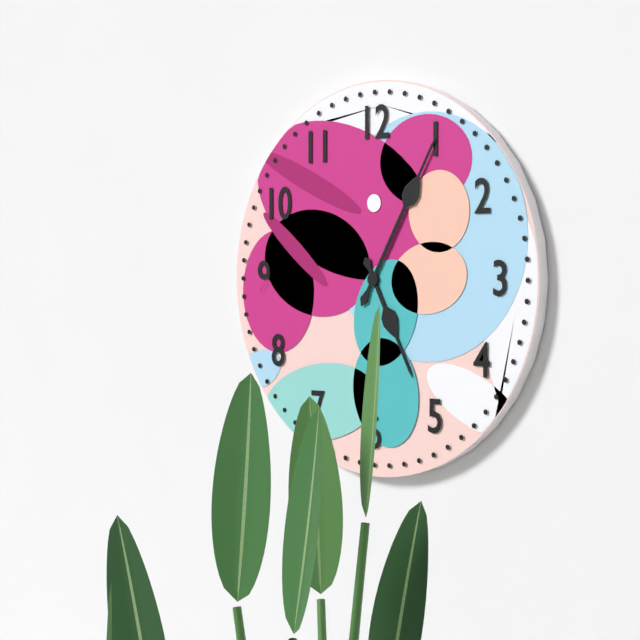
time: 5:05
